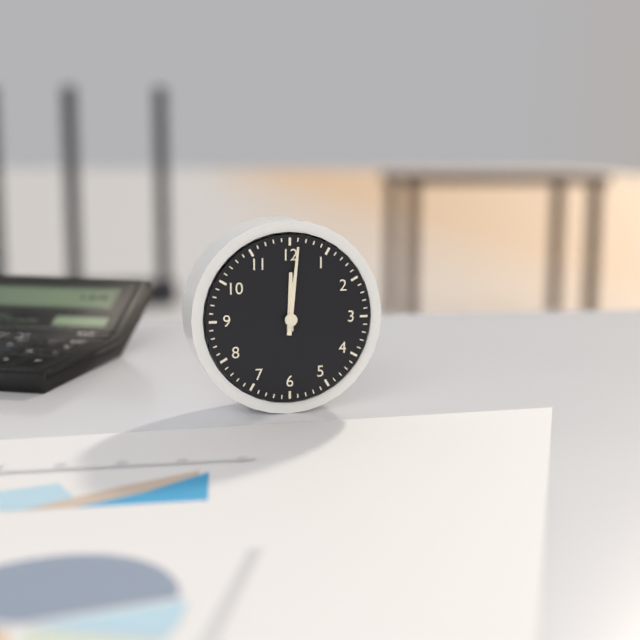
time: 12:01
